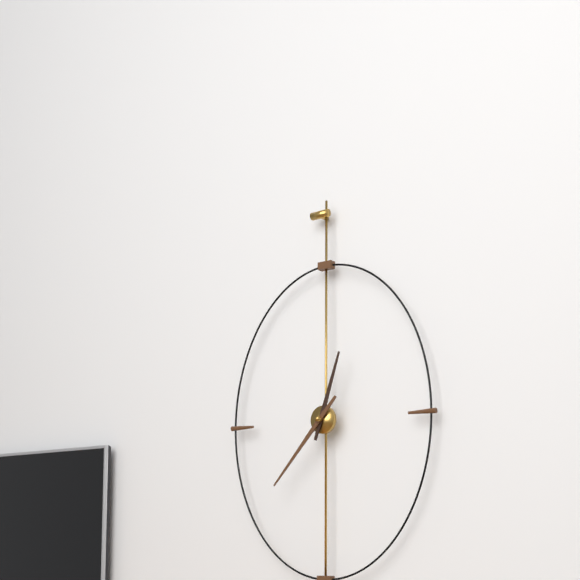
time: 12:37
